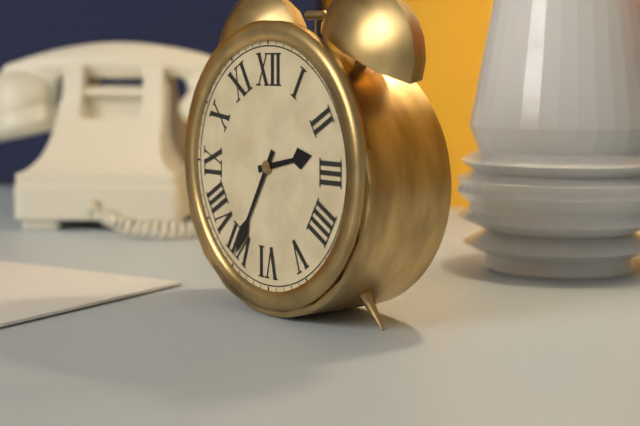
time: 2:35
